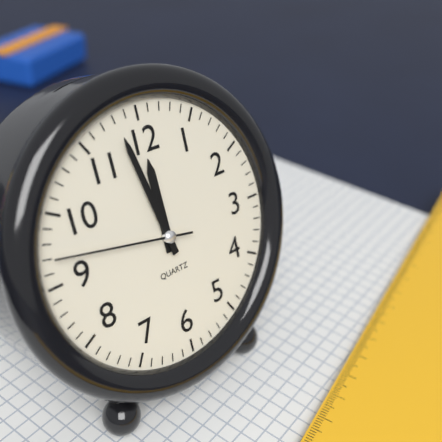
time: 11:58:47
